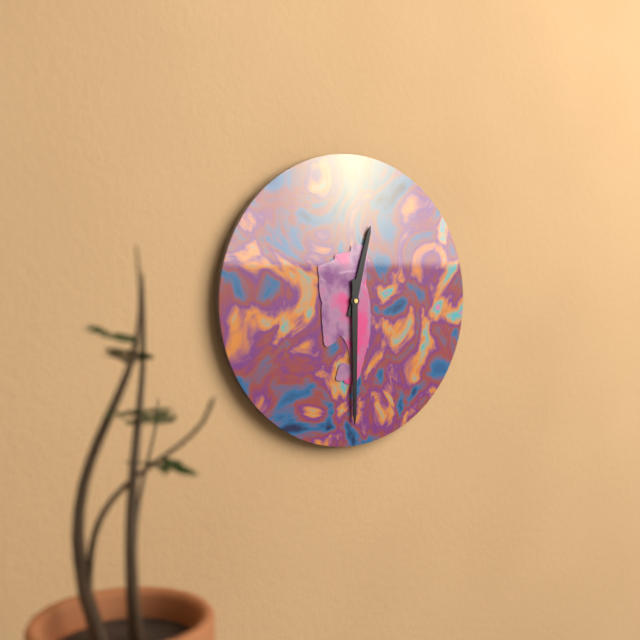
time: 12:30
